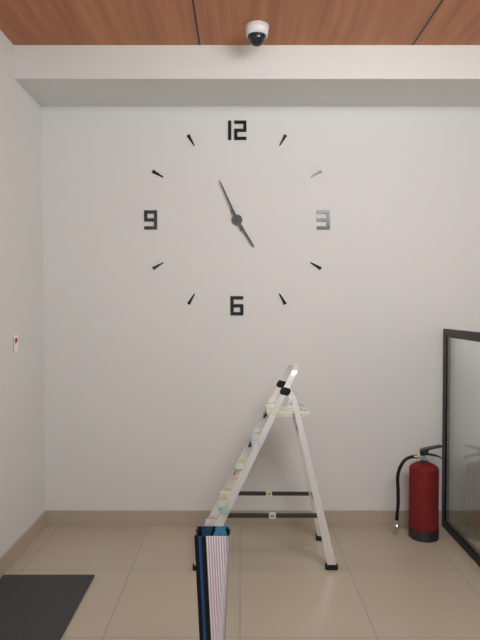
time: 4:56
